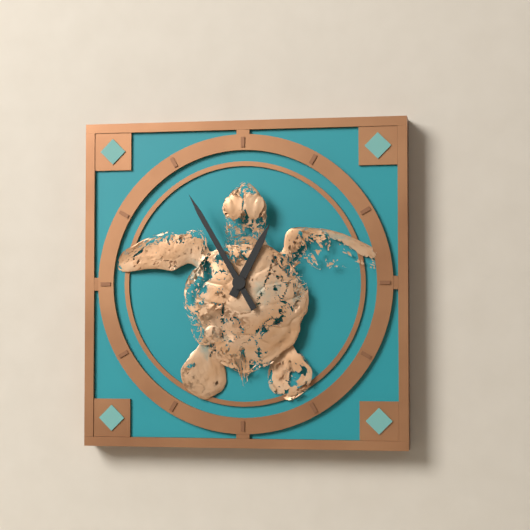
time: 12:55
